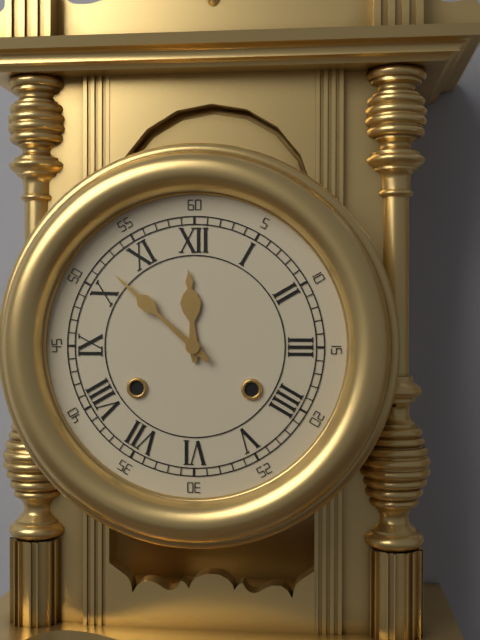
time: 11:52
